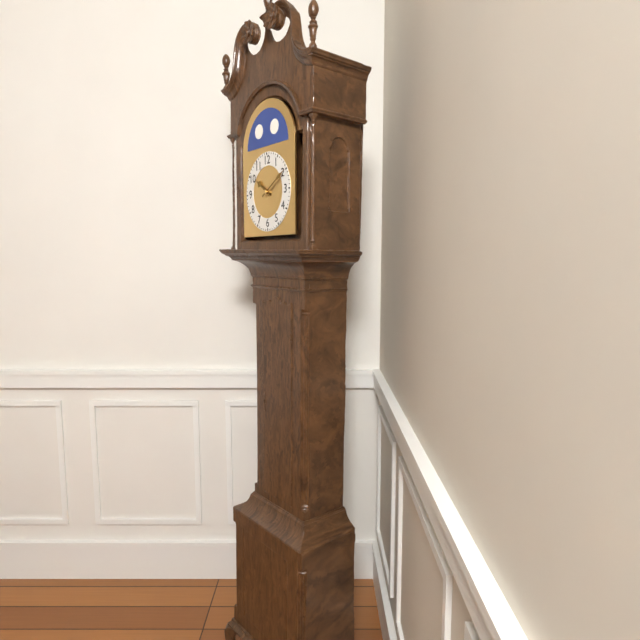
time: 10:10
